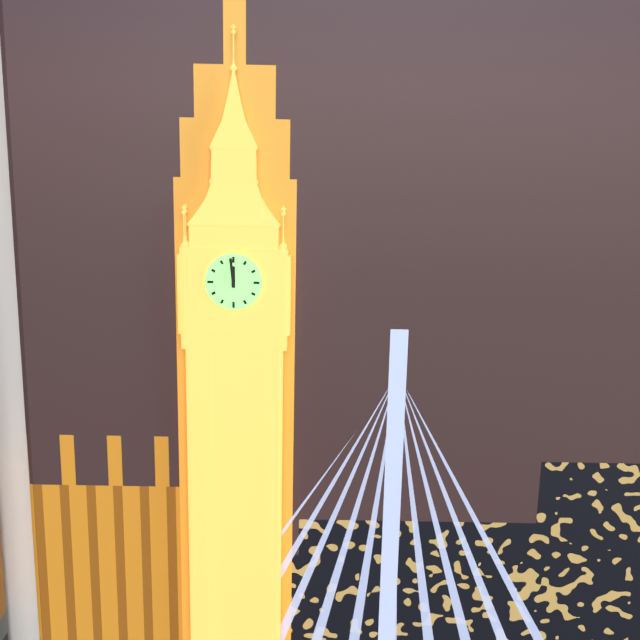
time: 11:59
